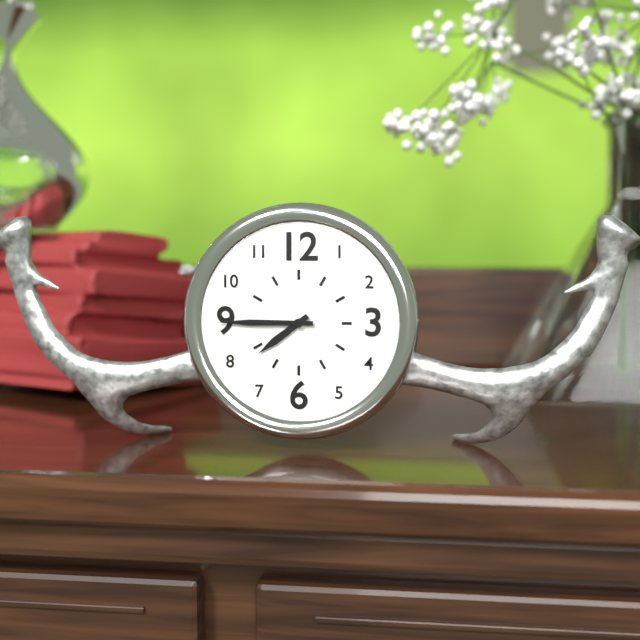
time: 7:45
